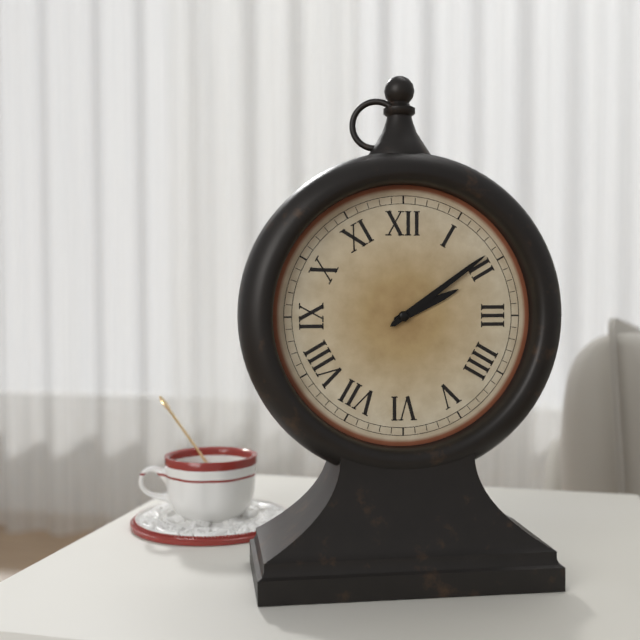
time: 2:09
